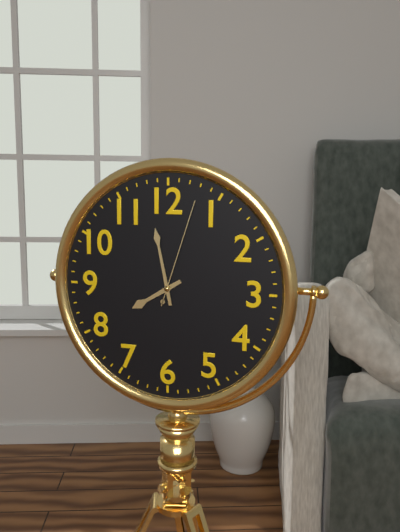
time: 7:58:03
